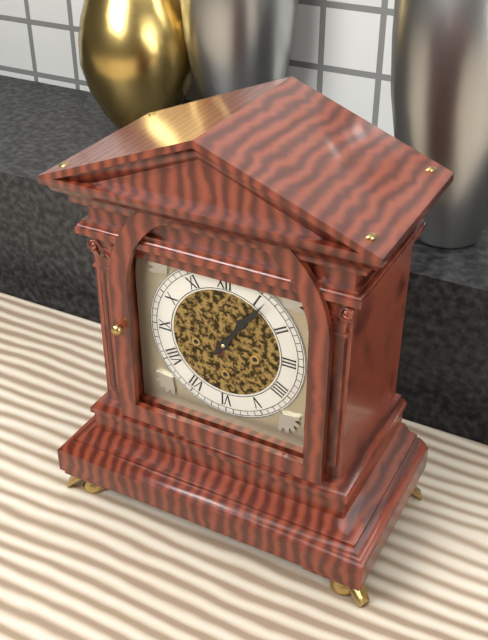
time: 1:06
